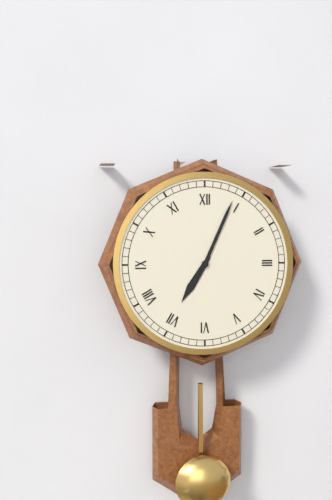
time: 7:04
